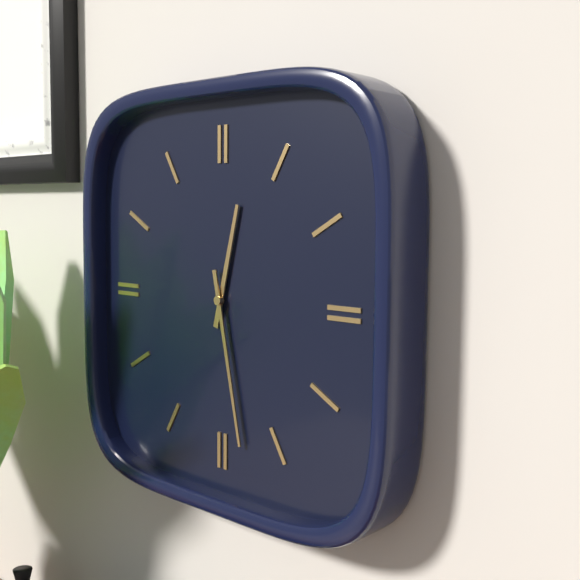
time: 12:28
